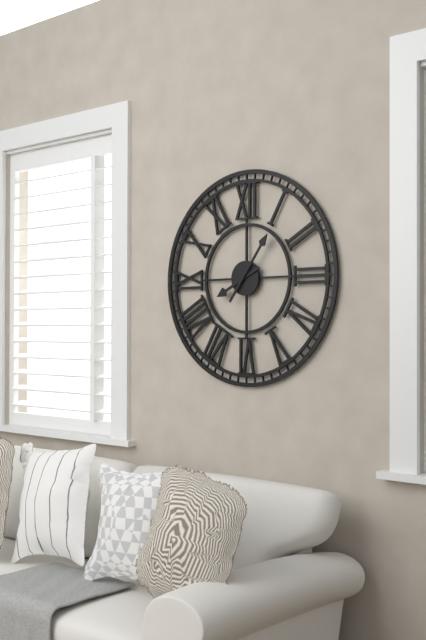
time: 8:06
